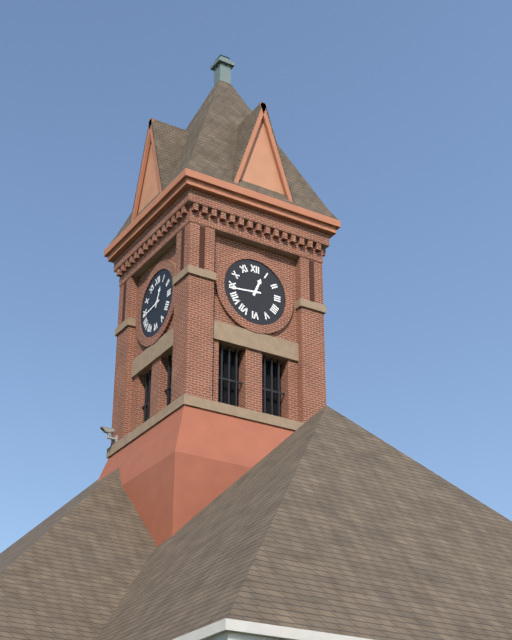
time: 12:44
